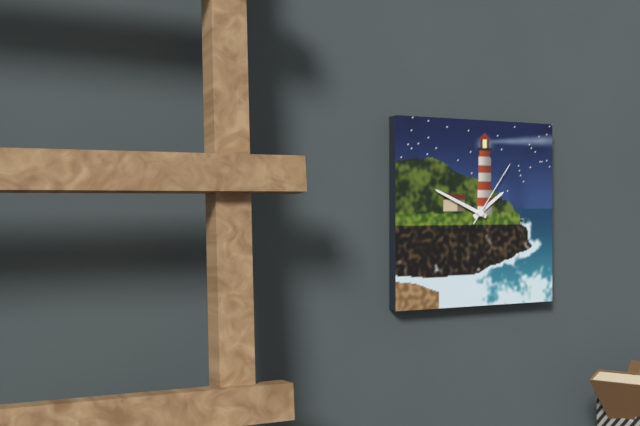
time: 1:49:06
